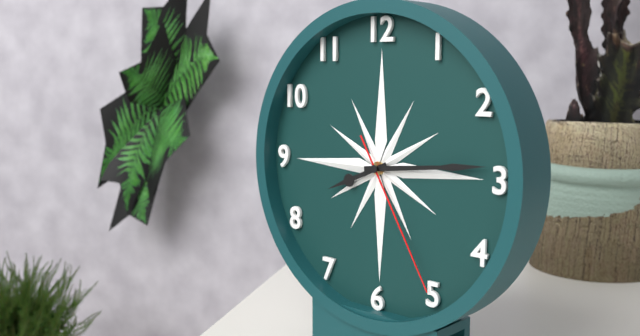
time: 8:14:25
